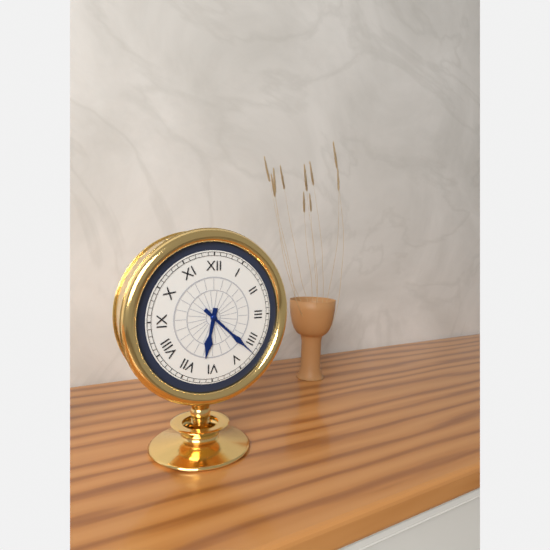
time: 6:22
